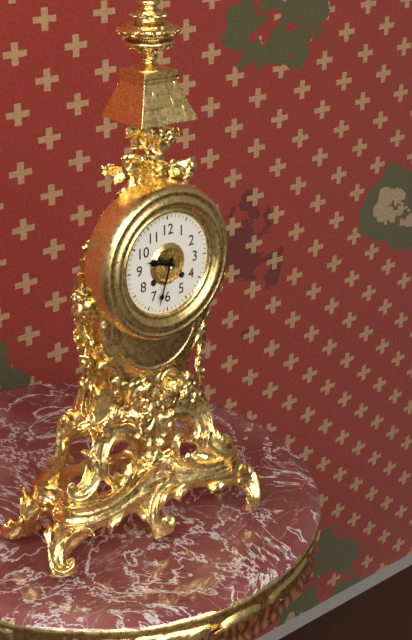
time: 9:33
